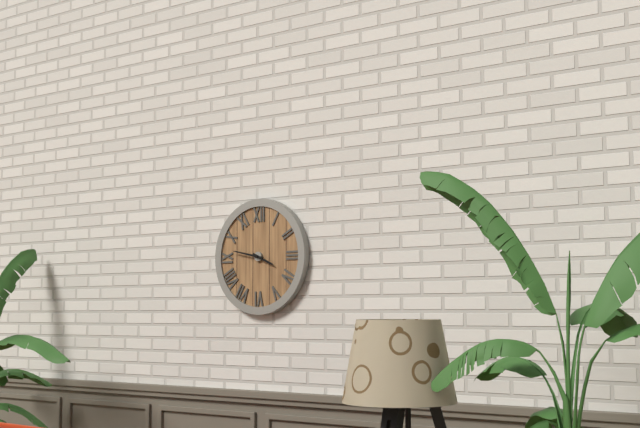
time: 3:47
